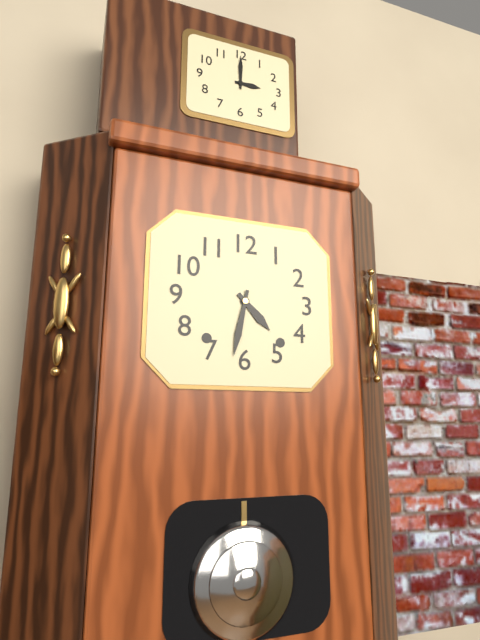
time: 4:32
